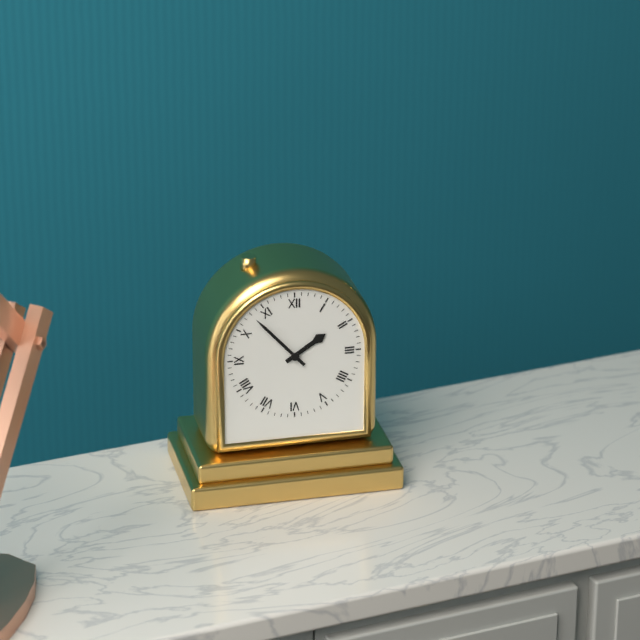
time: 1:53
